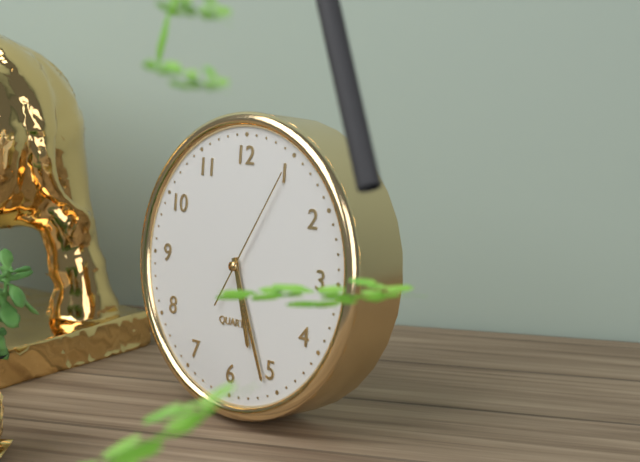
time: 5:26:05
